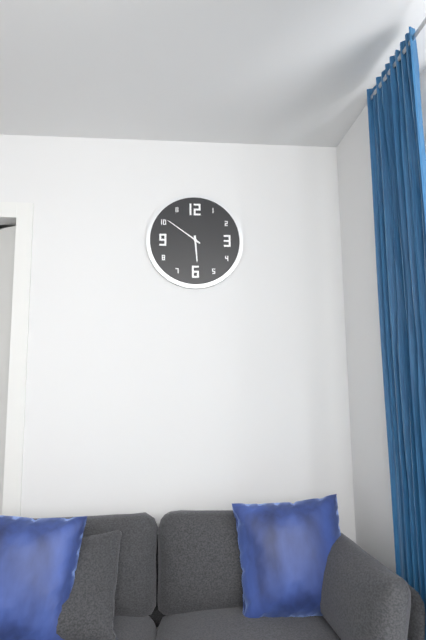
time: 5:51
